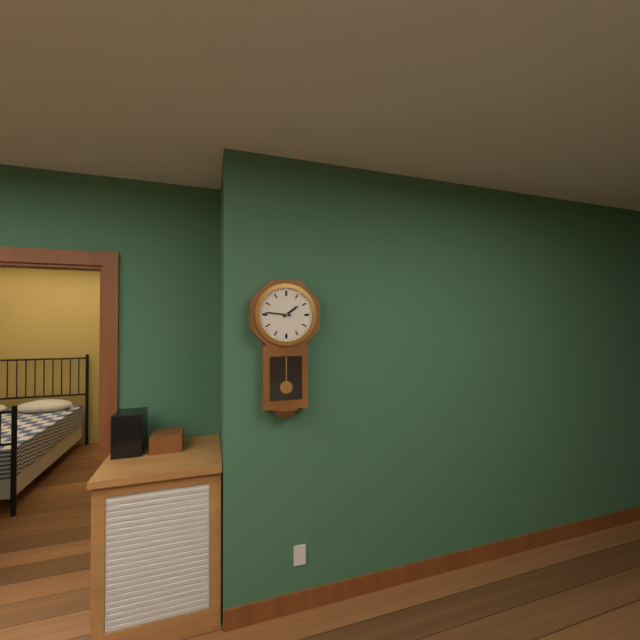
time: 1:46
